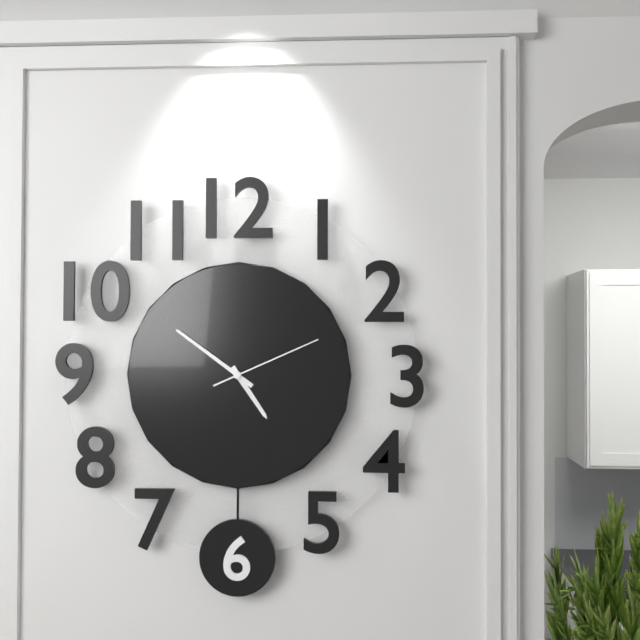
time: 4:51:11
